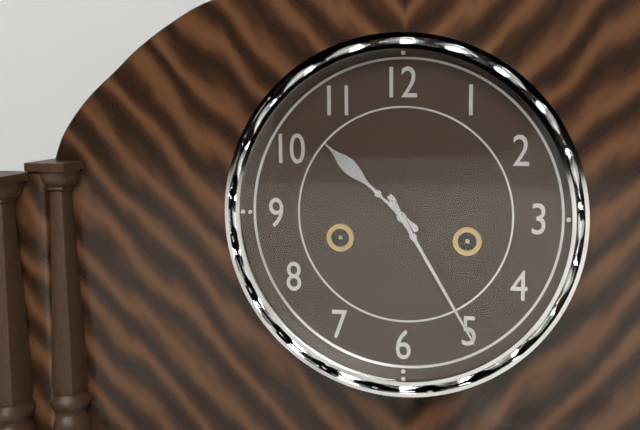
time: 10:25
